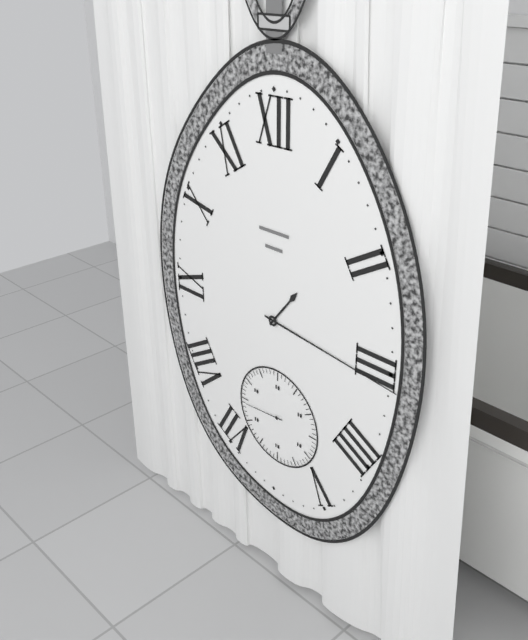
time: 1:16
